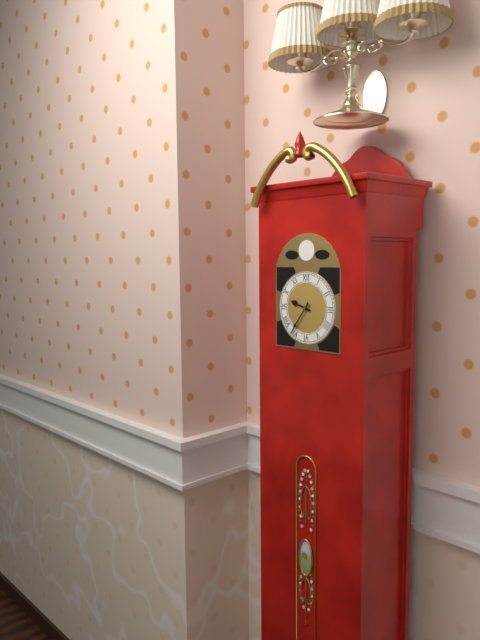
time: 9:36
